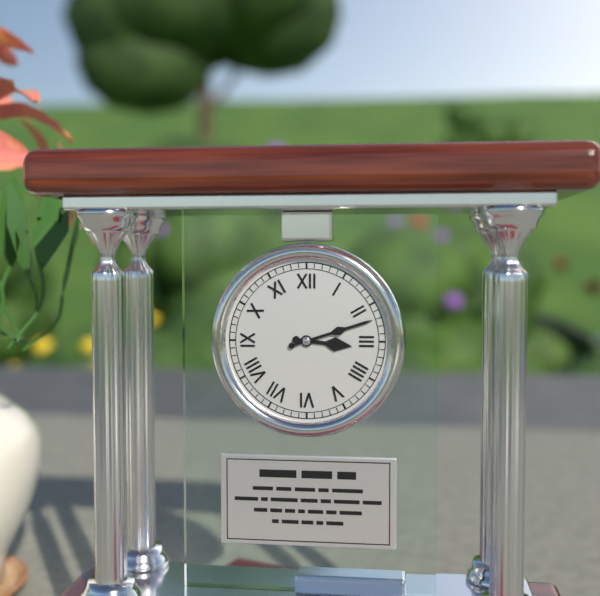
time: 3:12
